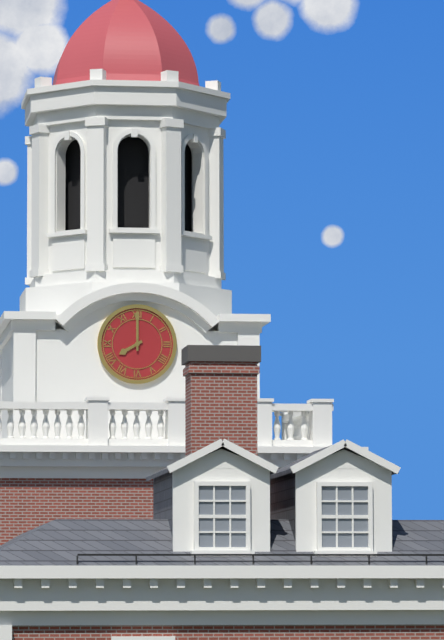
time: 8:00
